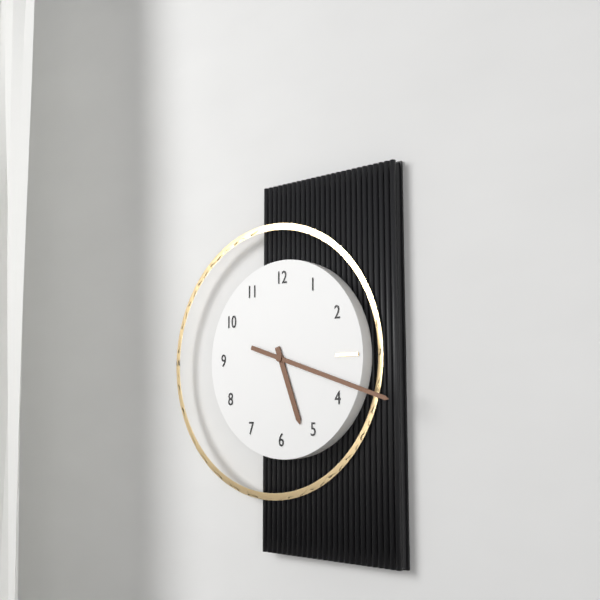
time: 5:18
